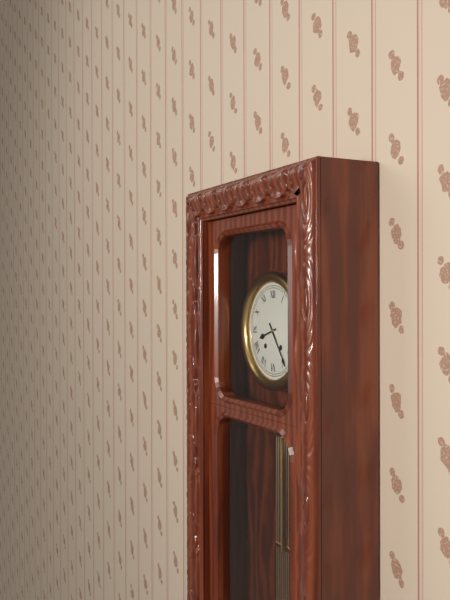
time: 8:24
